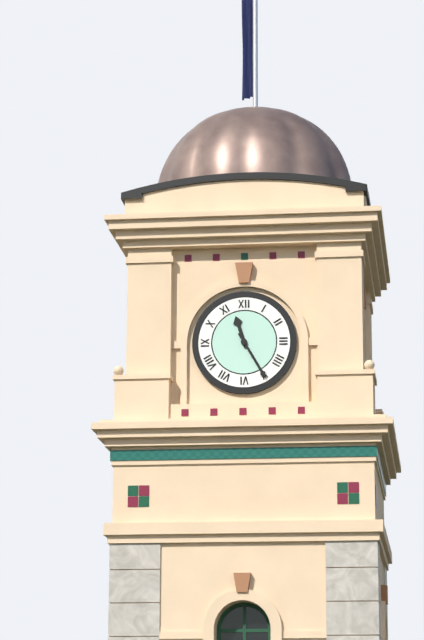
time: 11:25
